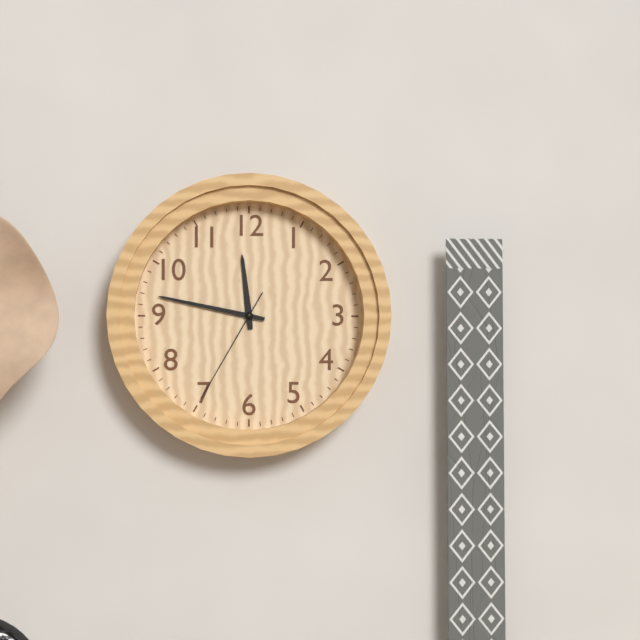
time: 11:47:35
